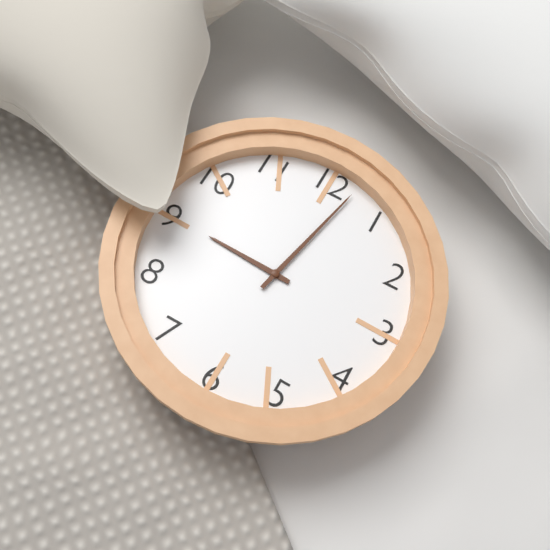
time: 9:02
